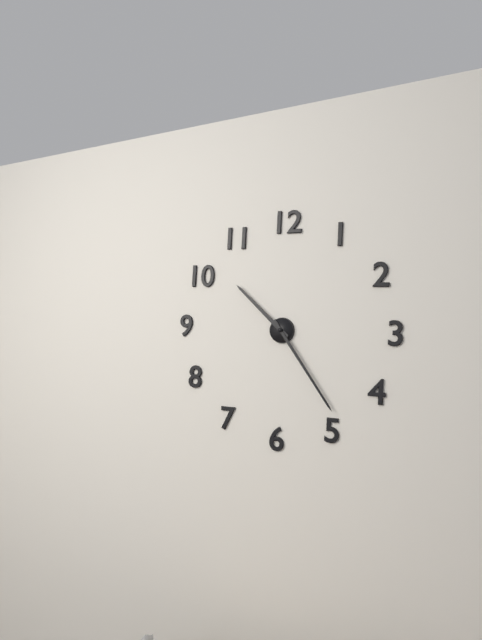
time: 10:24
